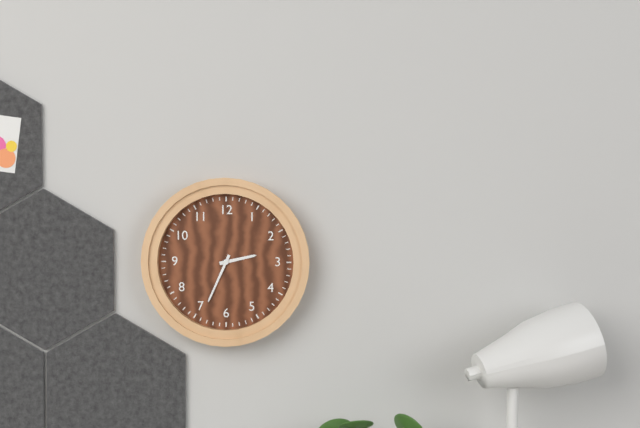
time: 2:34
